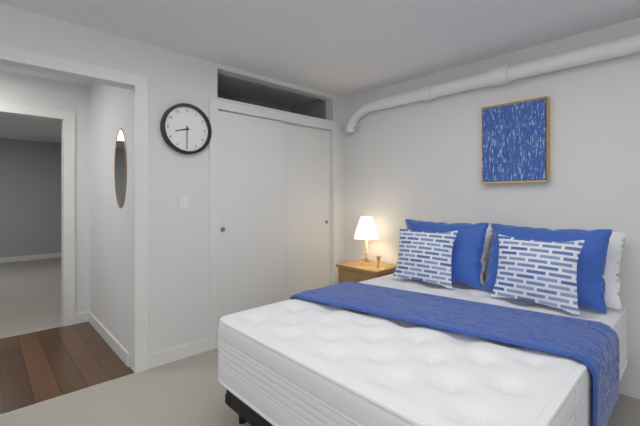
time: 8:30
